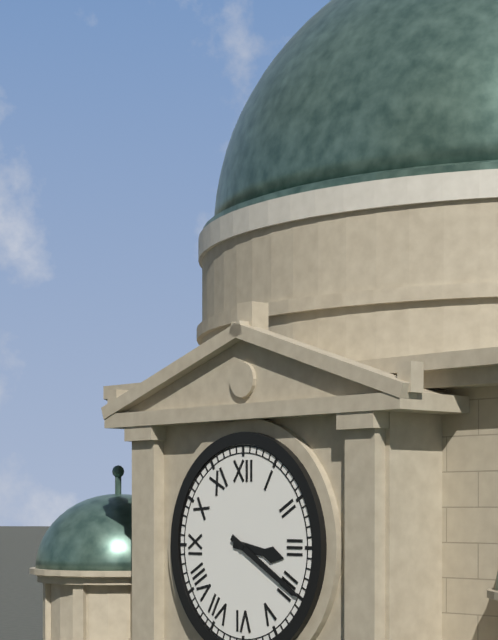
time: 3:20
